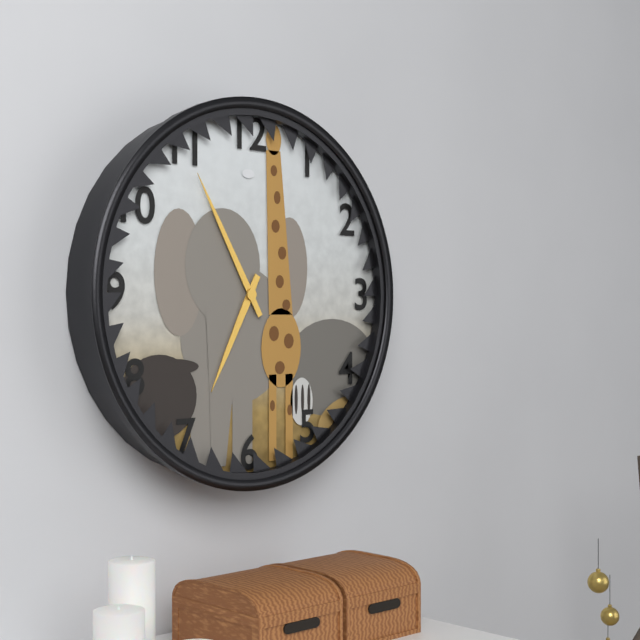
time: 6:55
